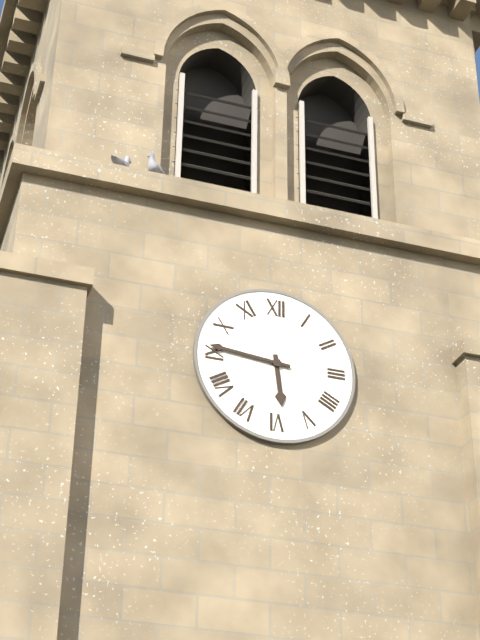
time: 5:46
